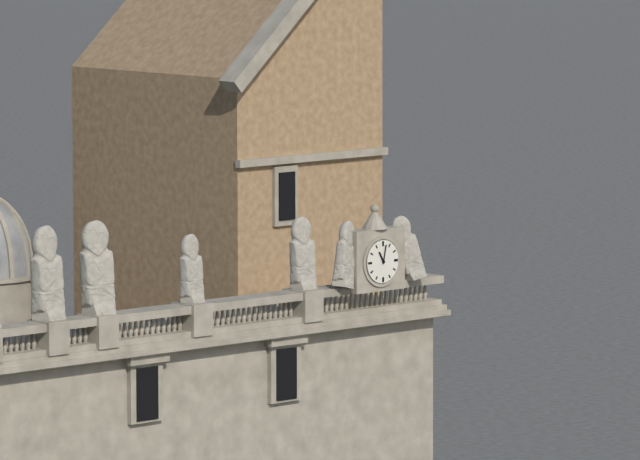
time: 11:02
